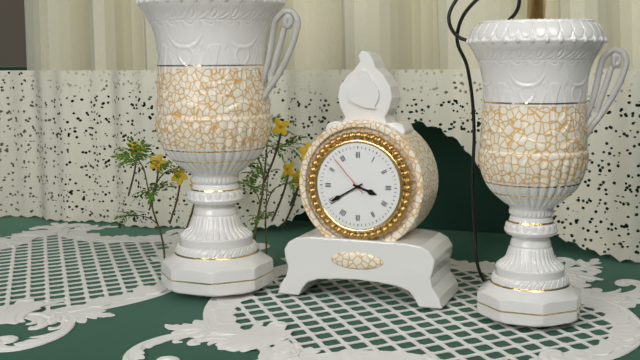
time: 3:40
